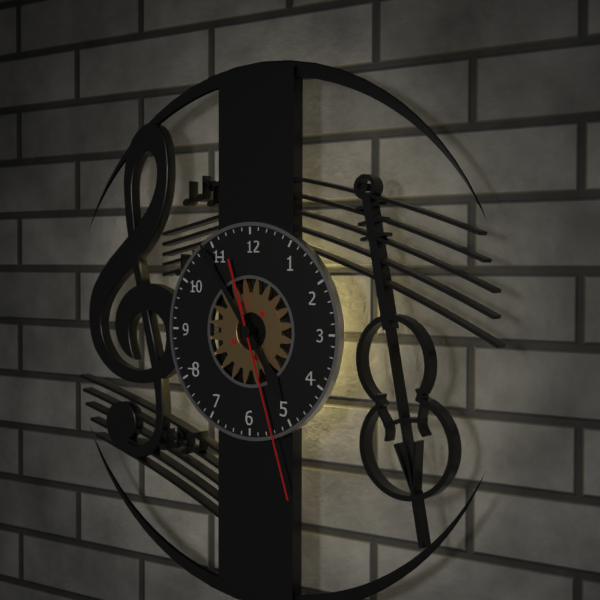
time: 4:54:27
